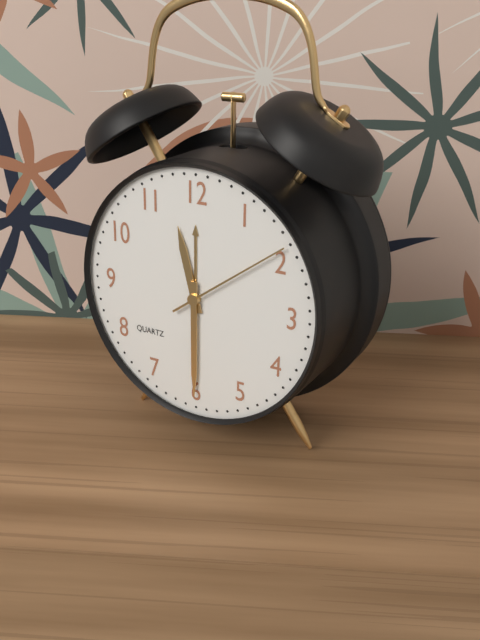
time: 11:30:09
